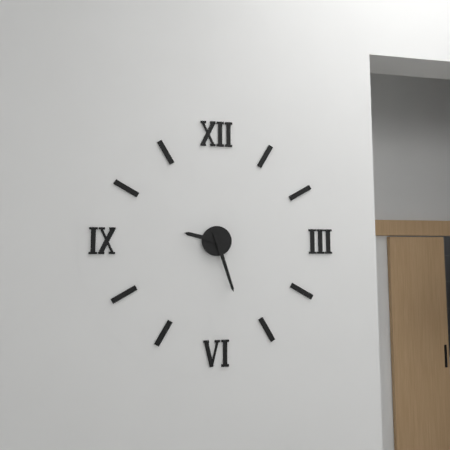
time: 9:27
